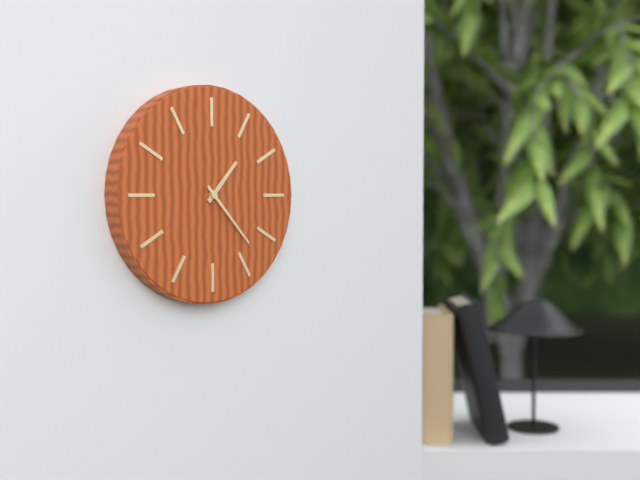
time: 1:23
